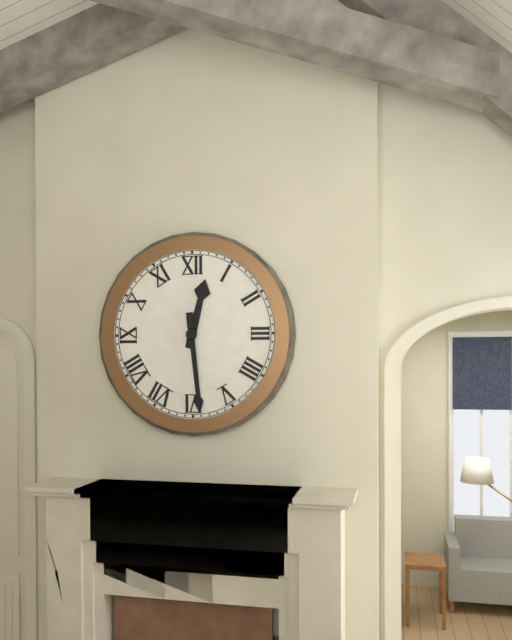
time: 12:29
